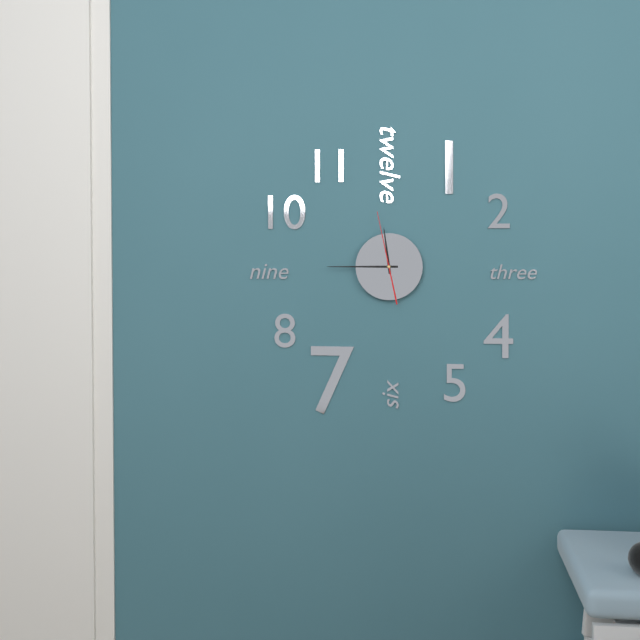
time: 11:45:58
